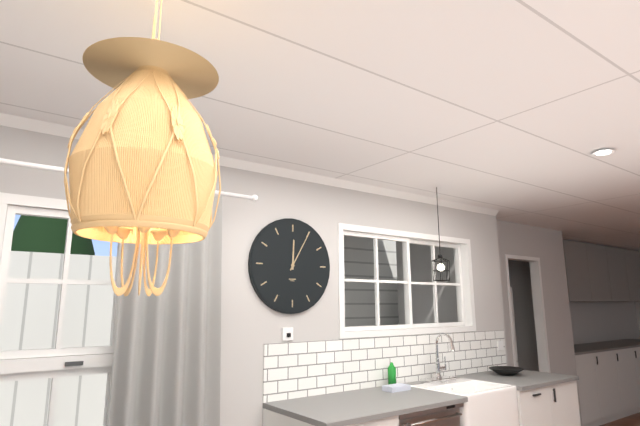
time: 12:05
